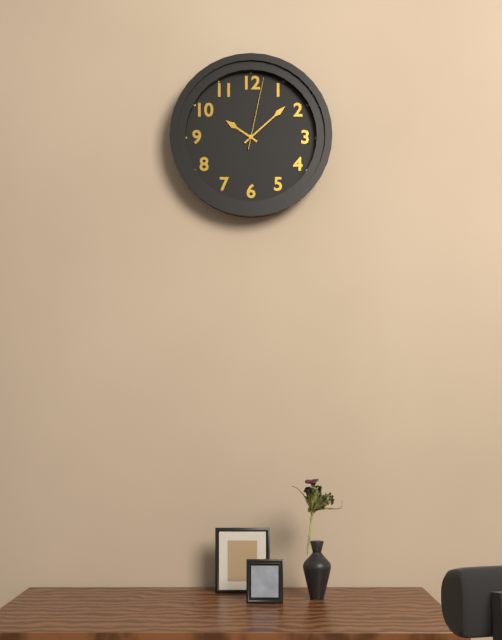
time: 10:08:02
